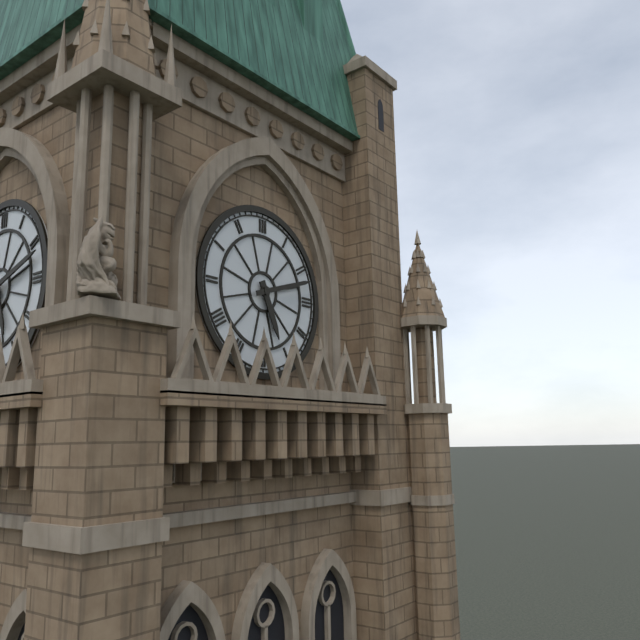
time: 5:12
